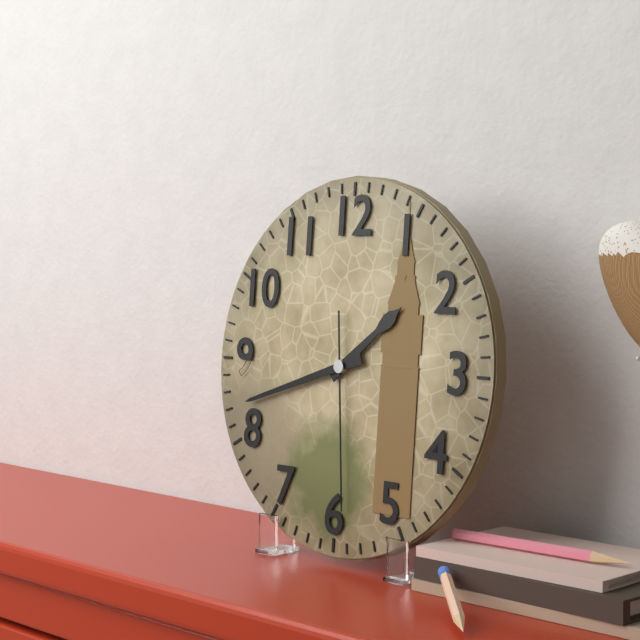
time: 1:42:29
